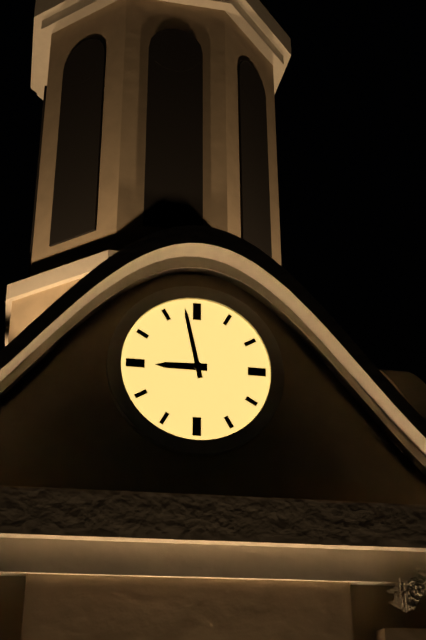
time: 8:58
